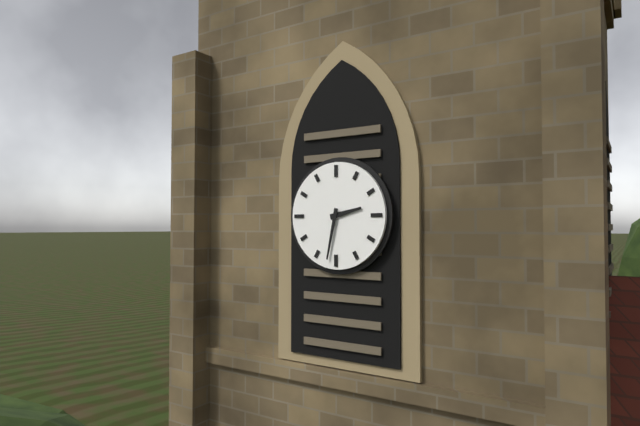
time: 2:32
